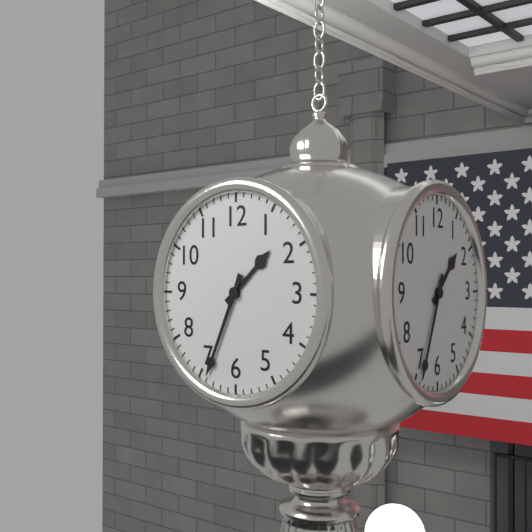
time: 1:34
